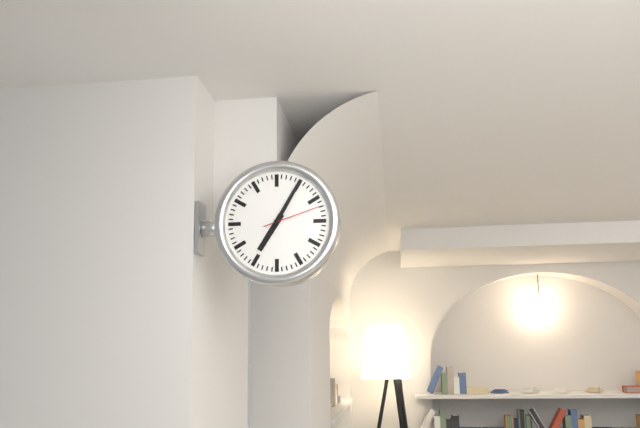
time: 7:05:12
